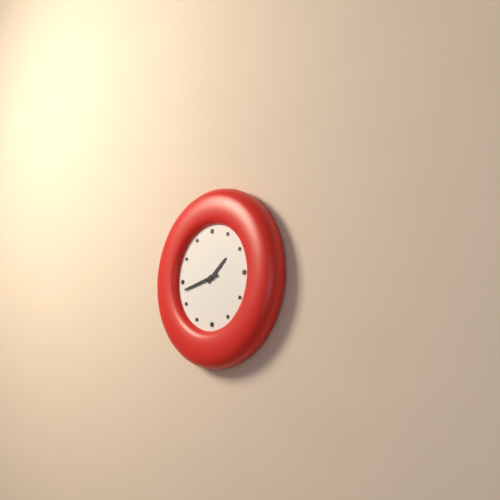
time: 1:43
